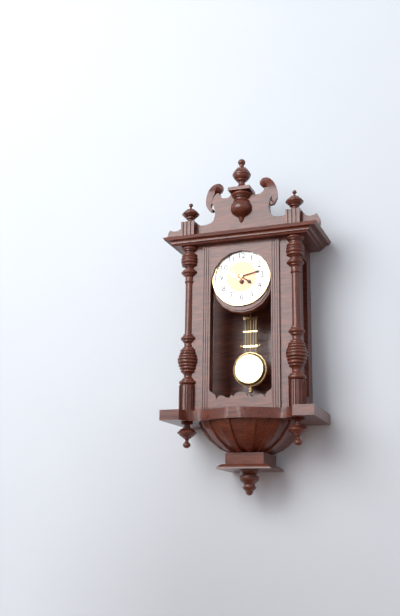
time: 4:13
